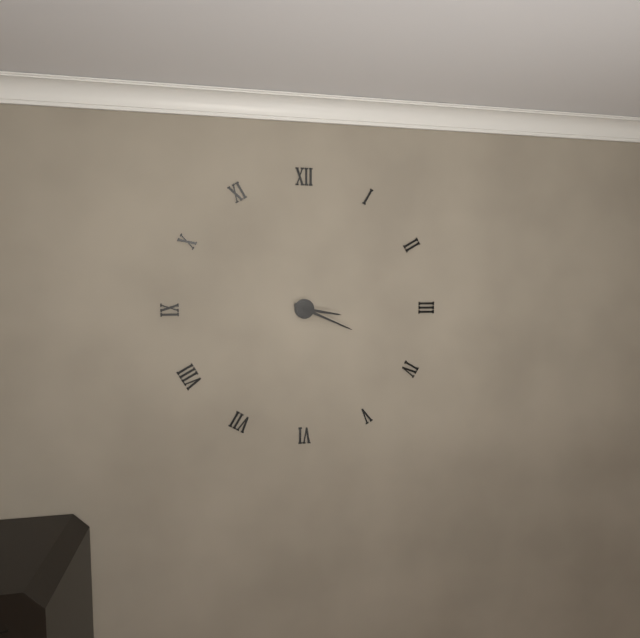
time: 3:19
